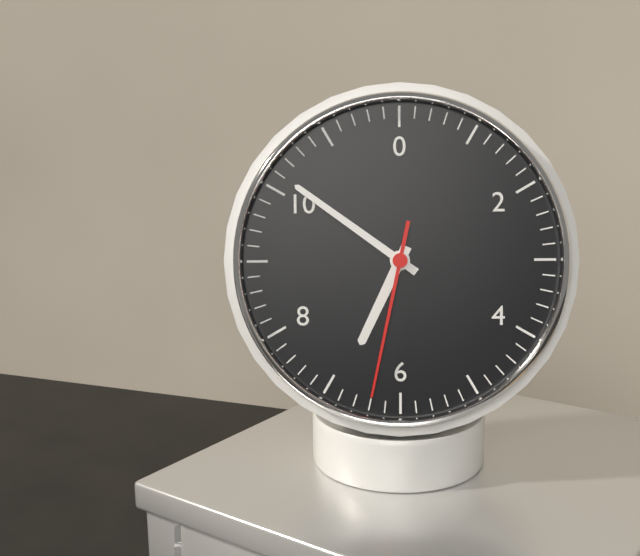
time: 6:51:32
